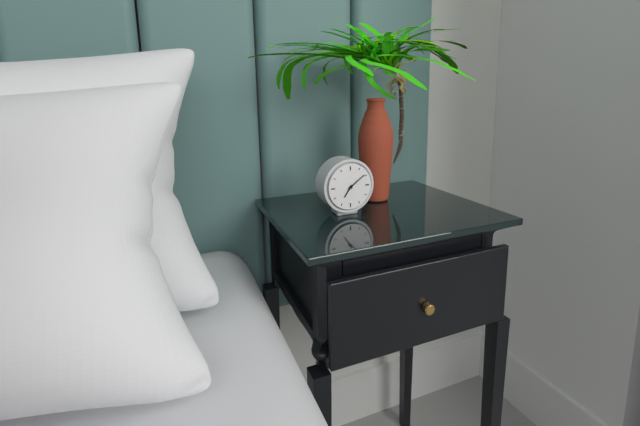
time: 7:09
